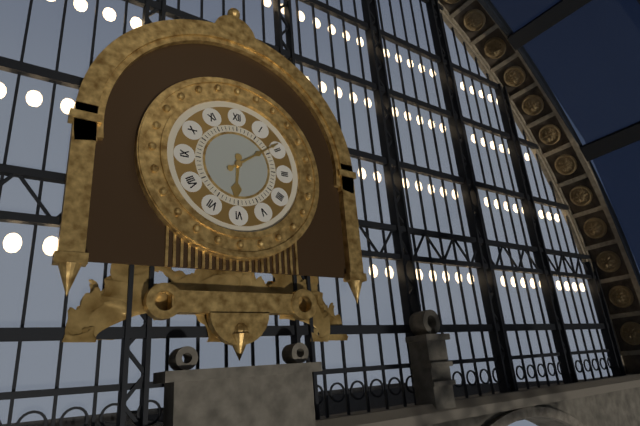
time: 6:09
